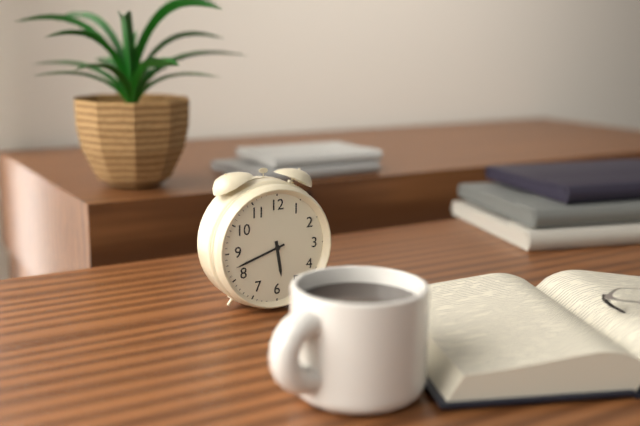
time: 5:42
